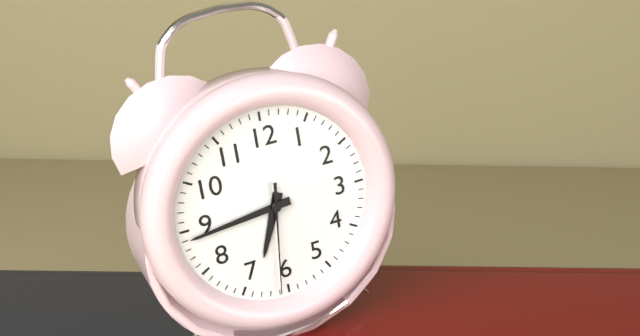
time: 6:44:31
